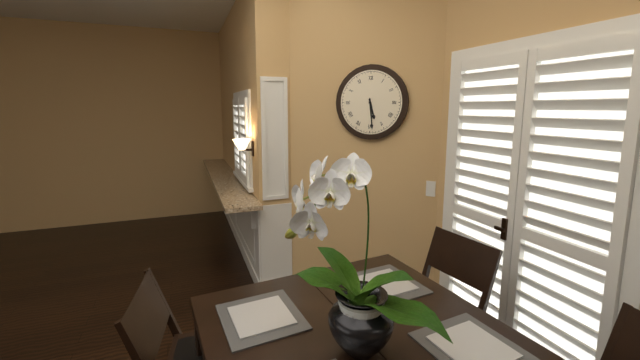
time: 5:29
